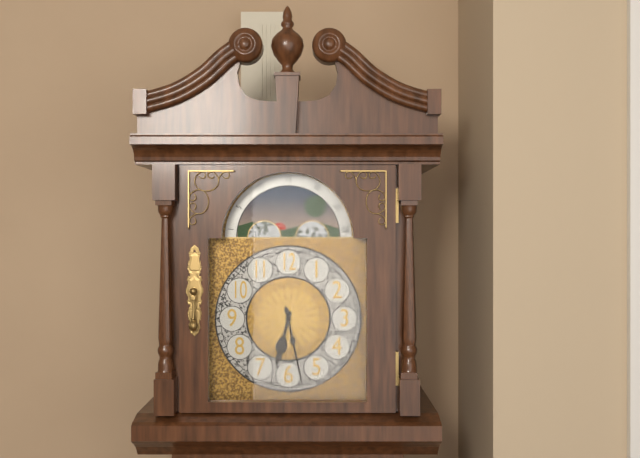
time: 6:28
